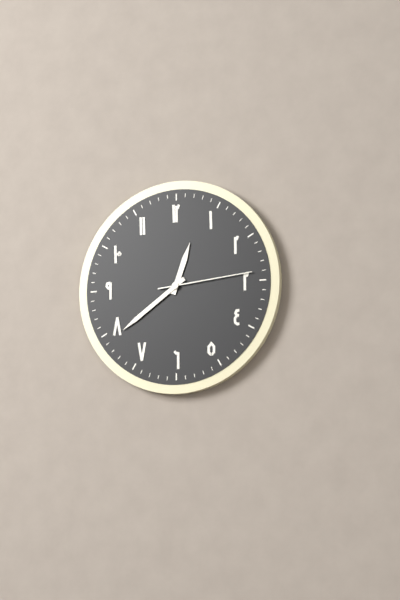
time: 12:39:14
